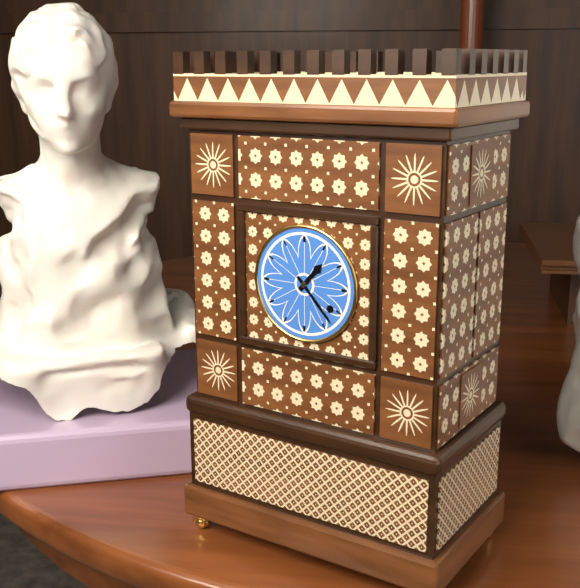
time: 1:23
